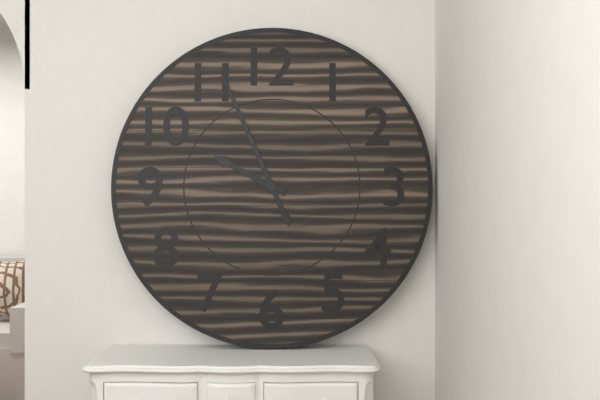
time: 9:56
